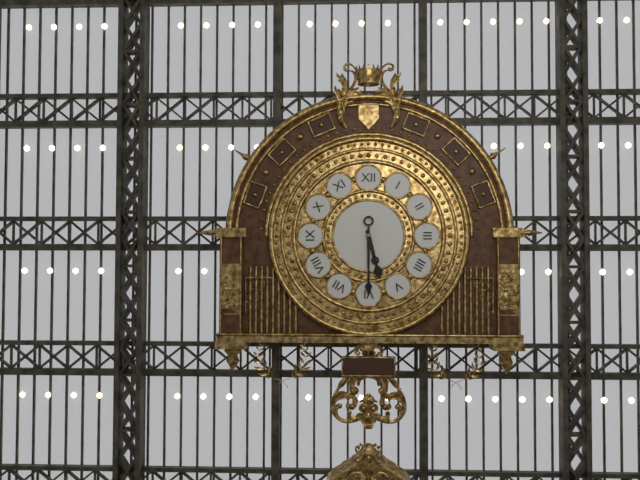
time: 5:30
